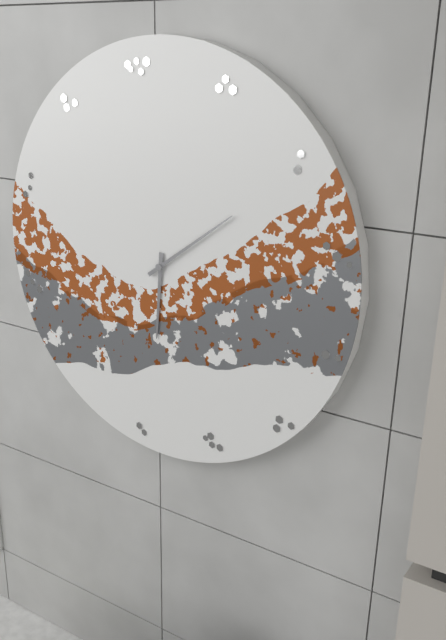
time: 6:09
